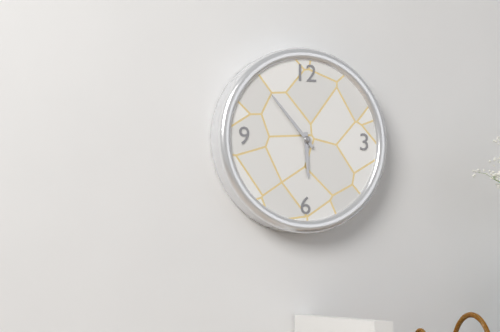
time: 5:53
